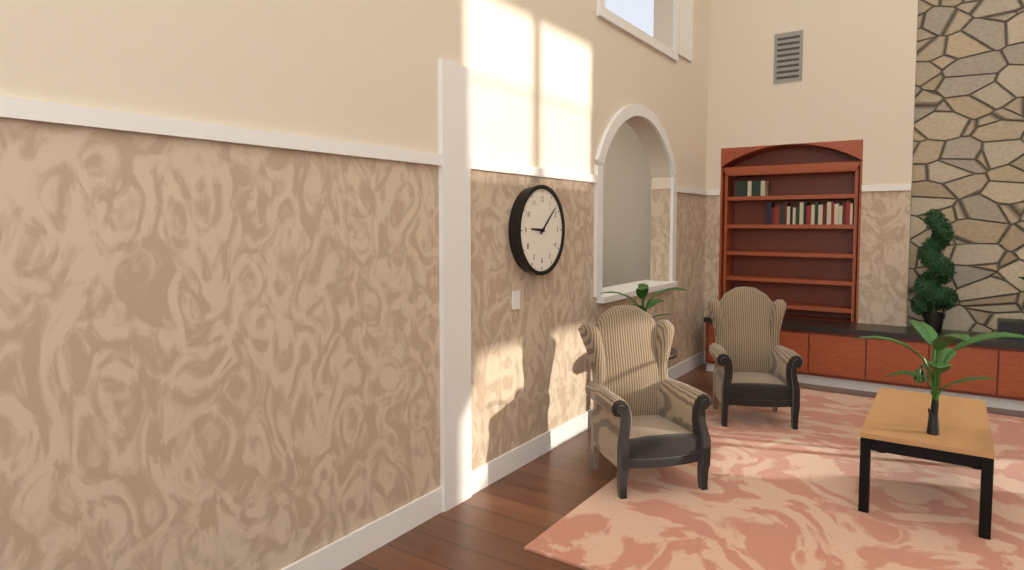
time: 9:08
